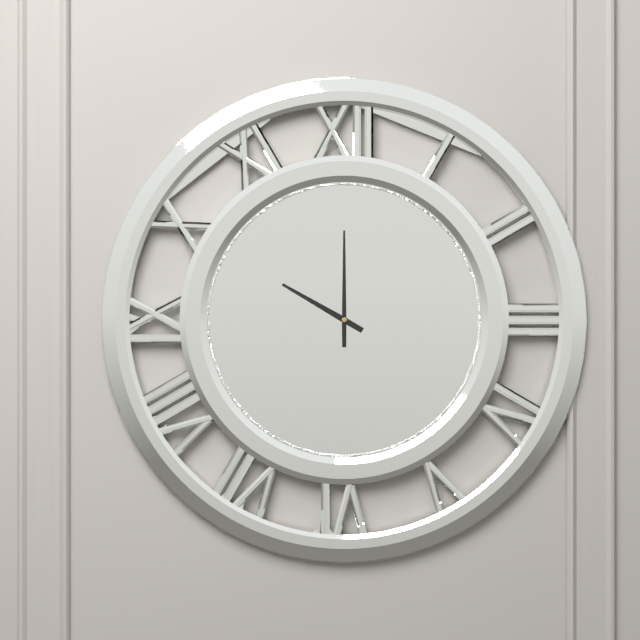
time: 10:00
